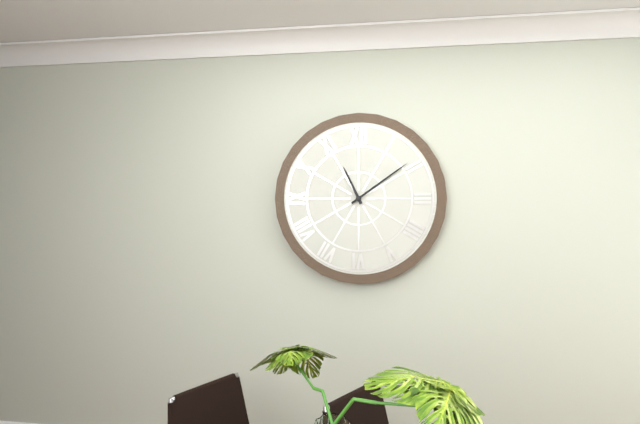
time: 11:09
